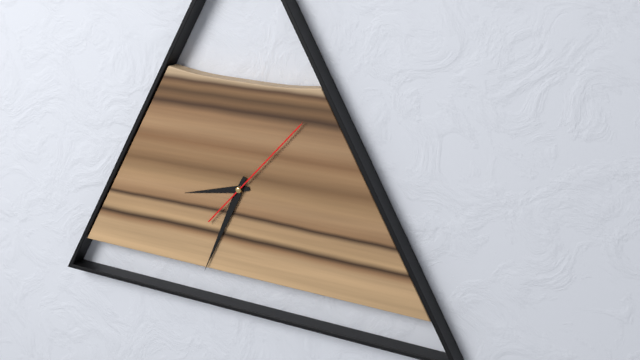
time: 8:34:07
